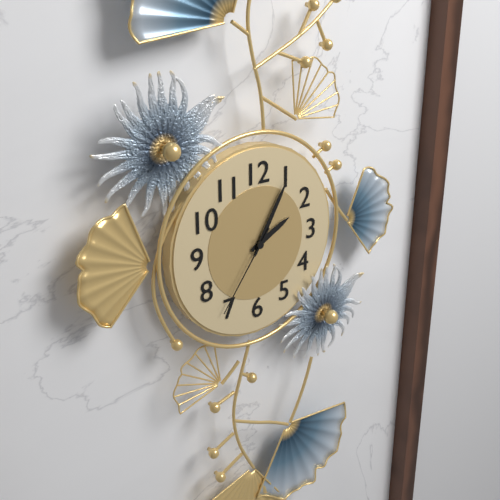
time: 2:05:36
